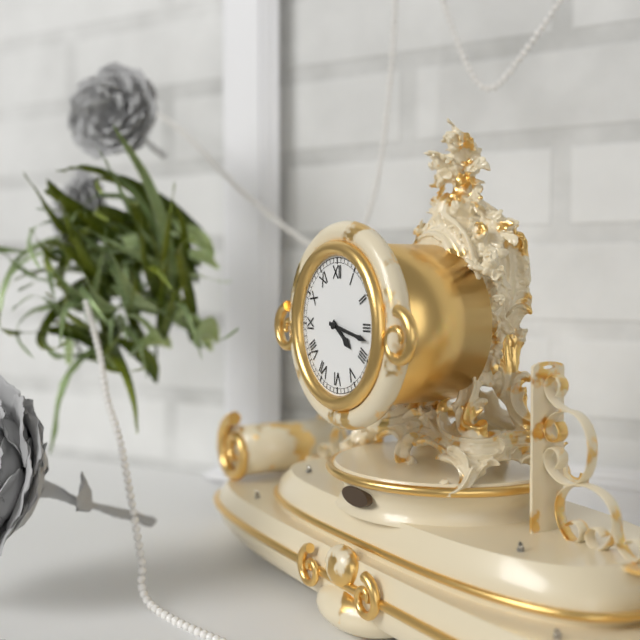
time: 4:17
